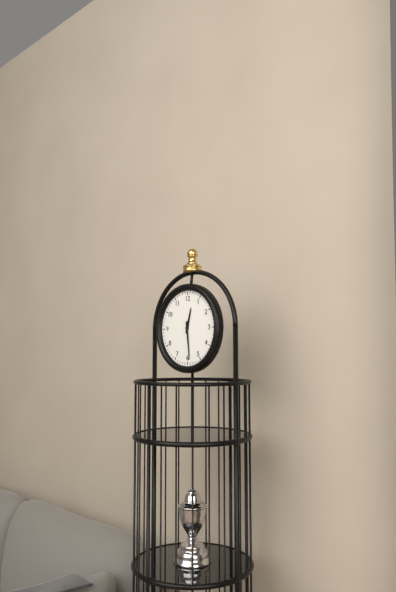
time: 12:29
